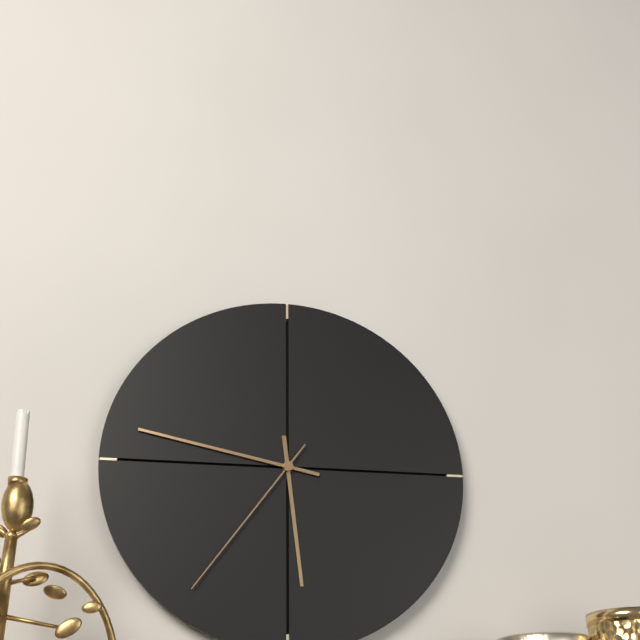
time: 5:47:36
